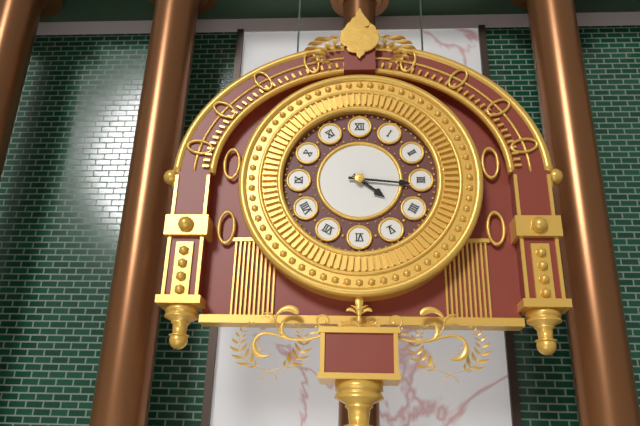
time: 4:16
